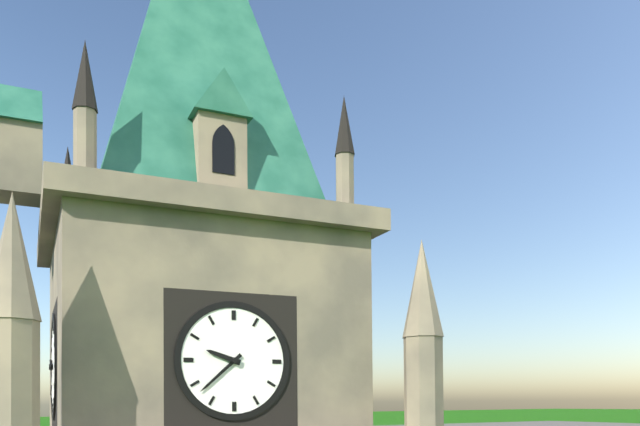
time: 9:38
